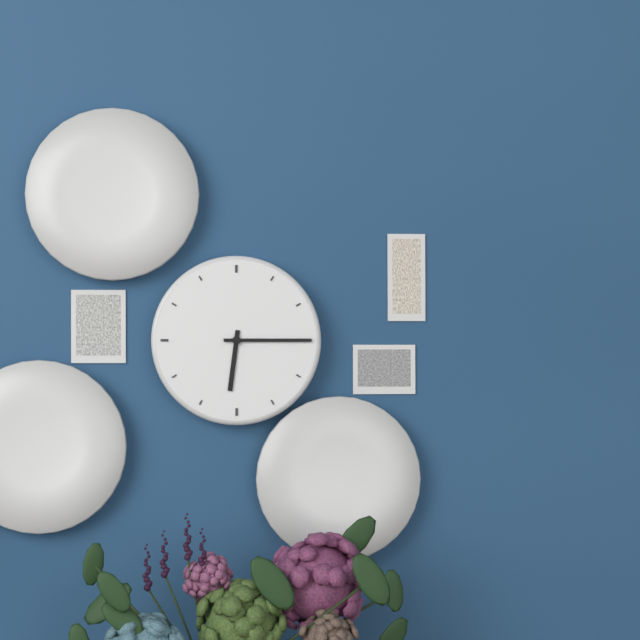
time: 6:15
